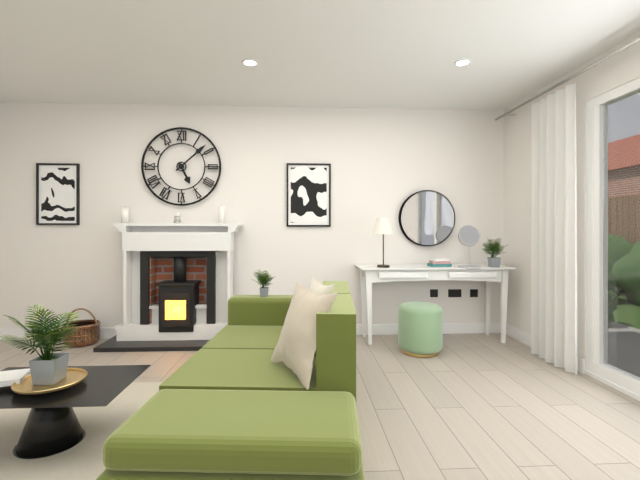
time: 5:08
